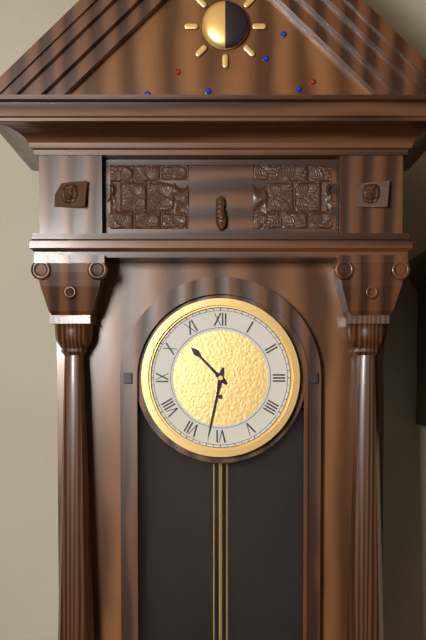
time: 10:32
